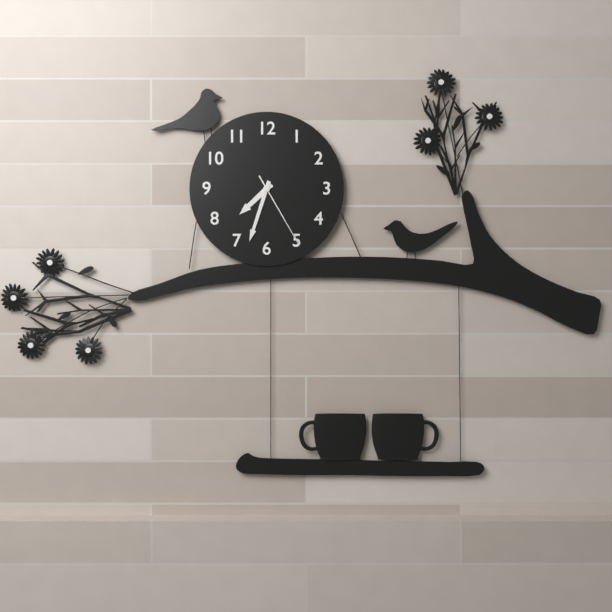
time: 7:33:25
